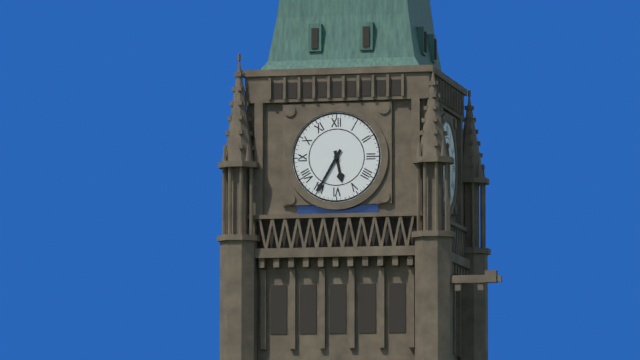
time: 5:35
